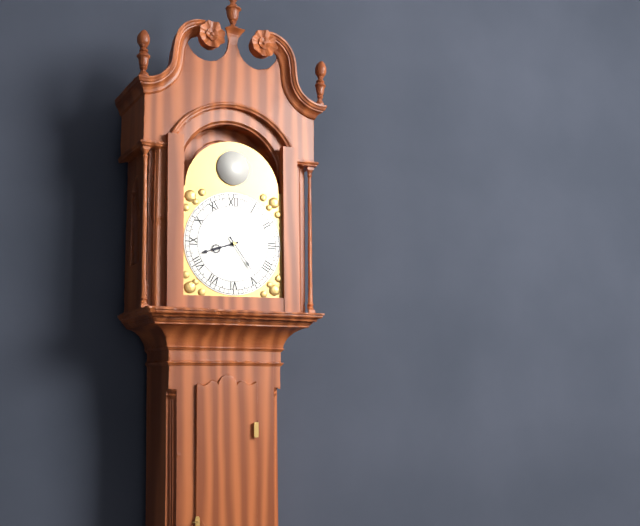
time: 8:24
